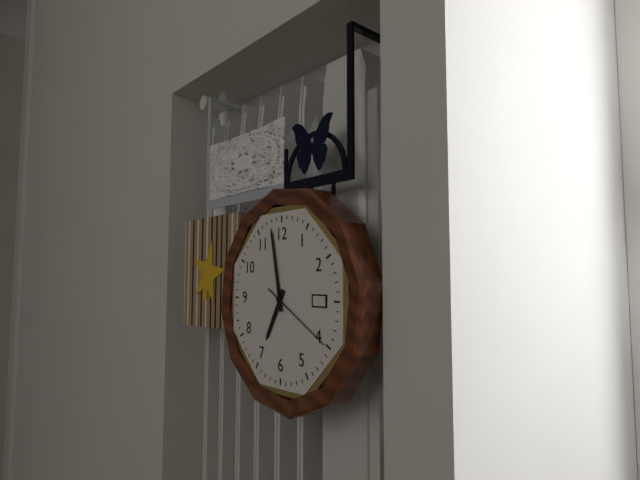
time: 6:58:20
